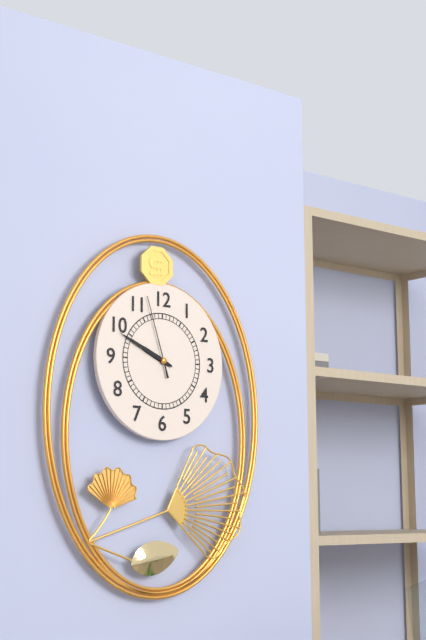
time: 9:49:57
